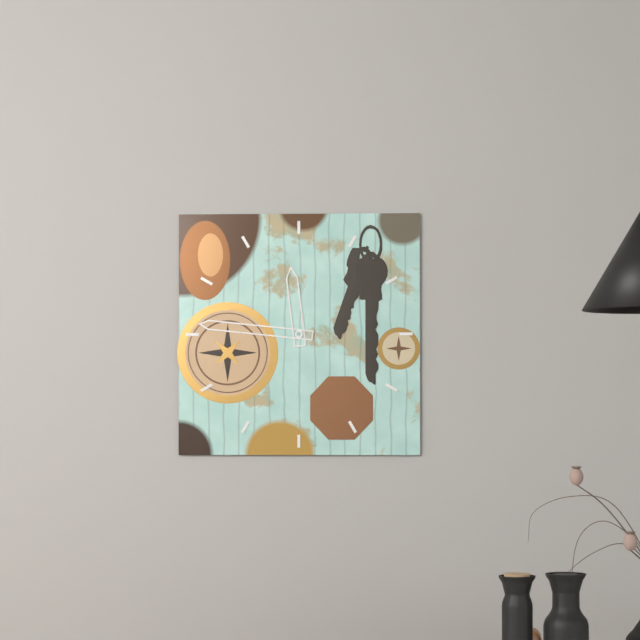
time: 11:46
